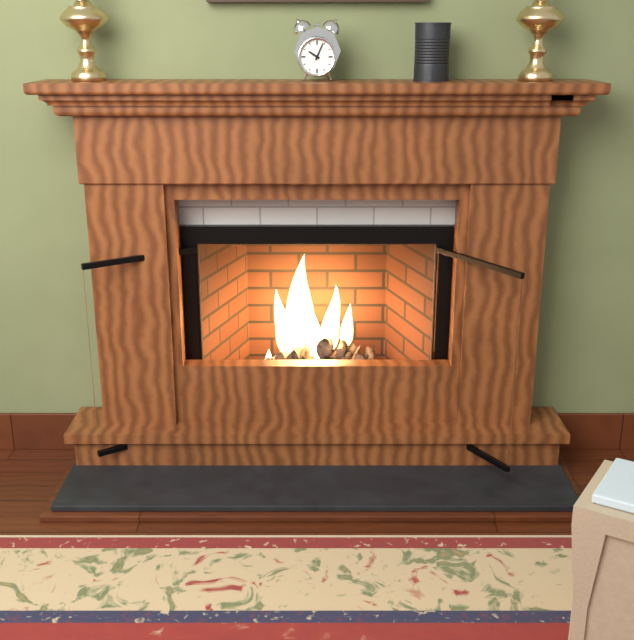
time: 10:04
